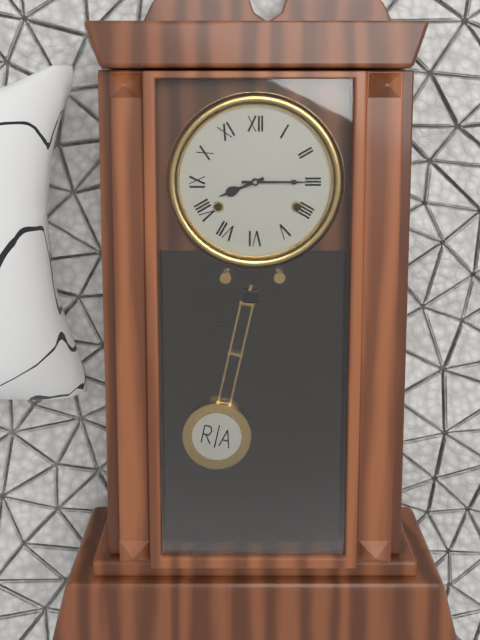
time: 8:15
